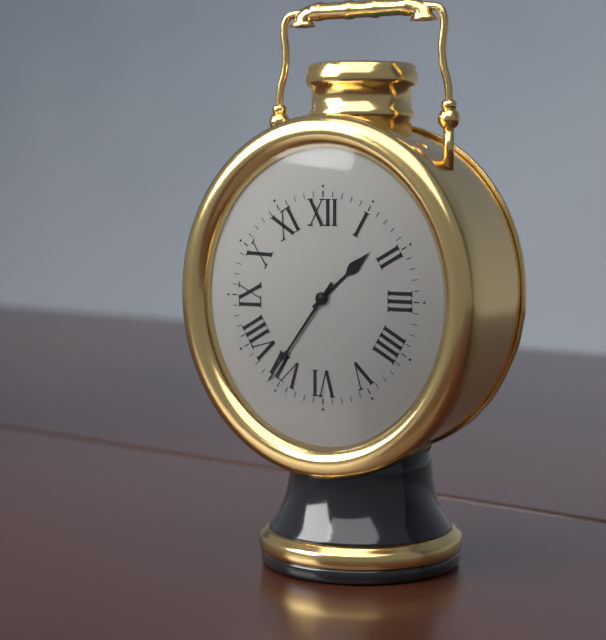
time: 1:36
